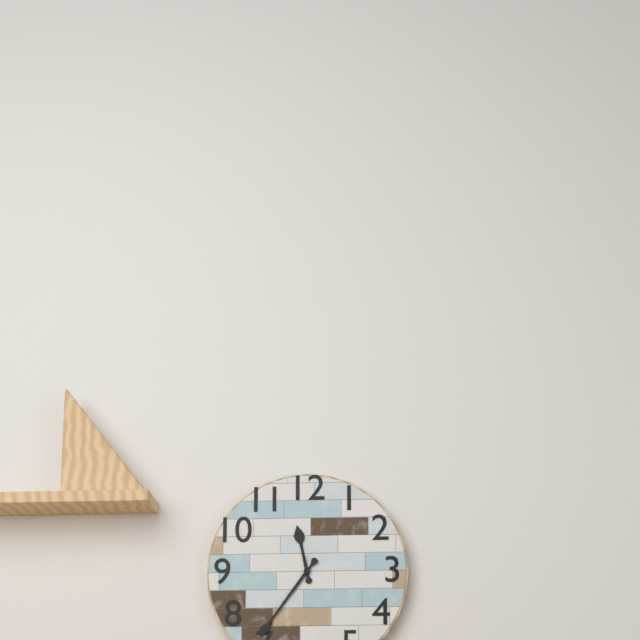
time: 11:36
